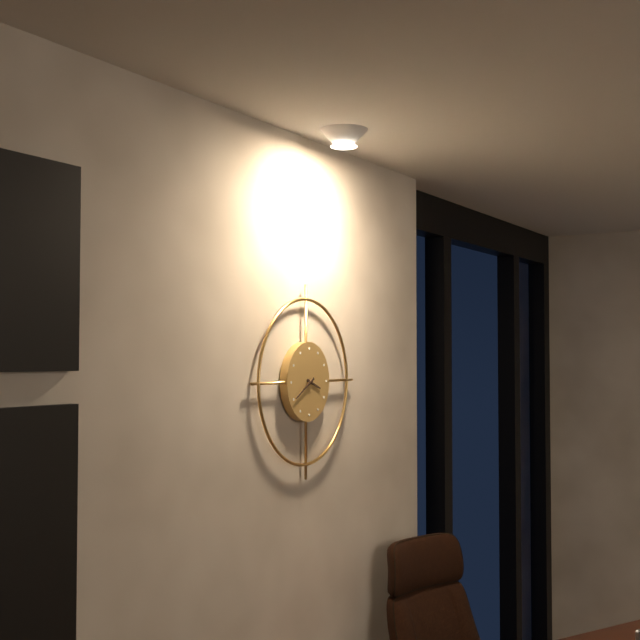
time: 3:40
